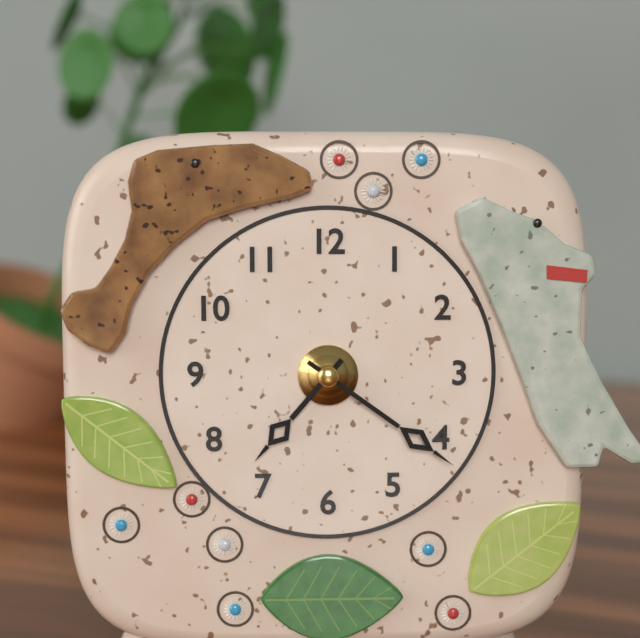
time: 7:21
